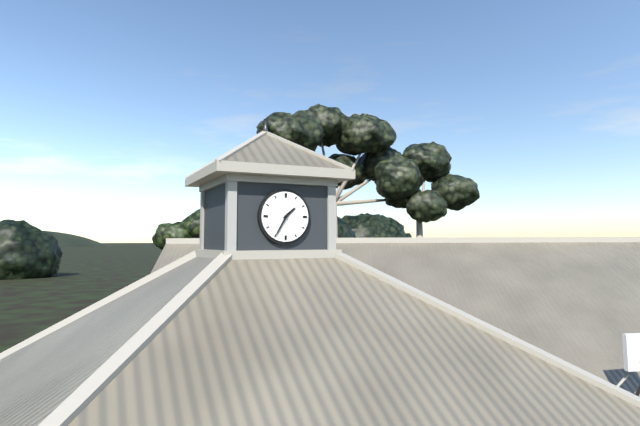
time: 1:35
